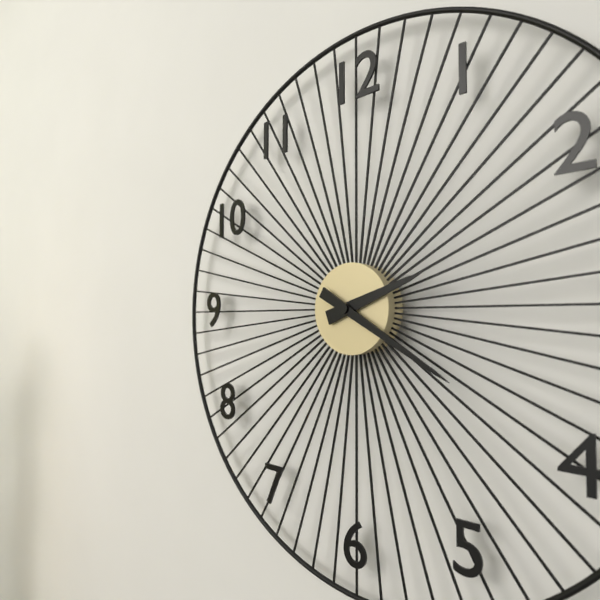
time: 2:20
